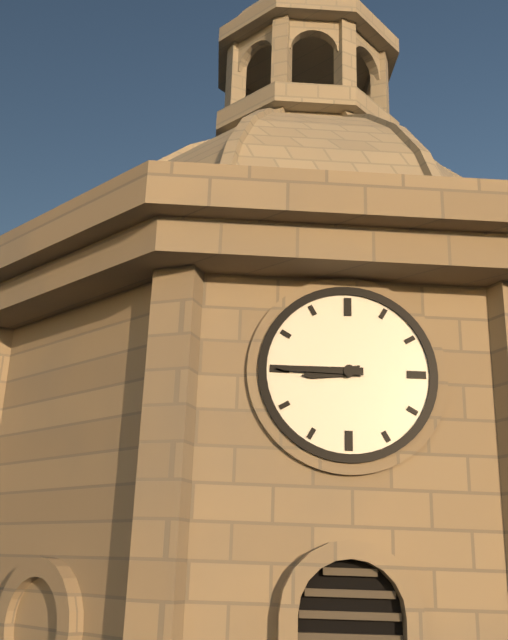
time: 8:45
